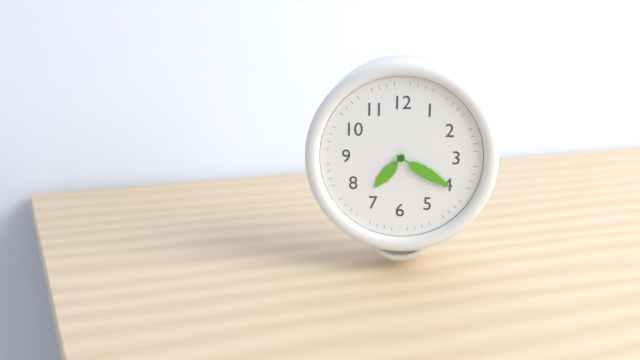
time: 7:20
